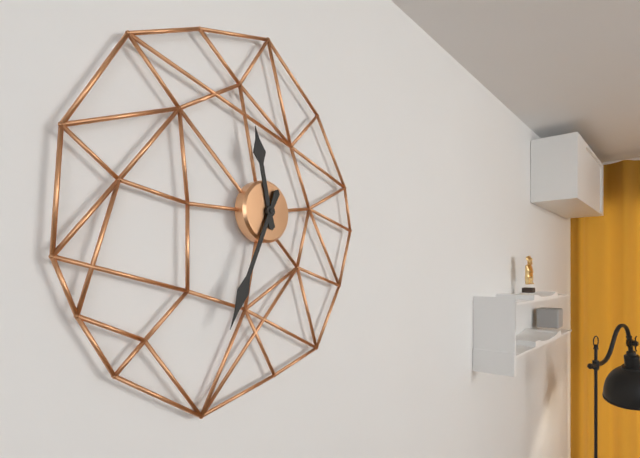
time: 11:34
